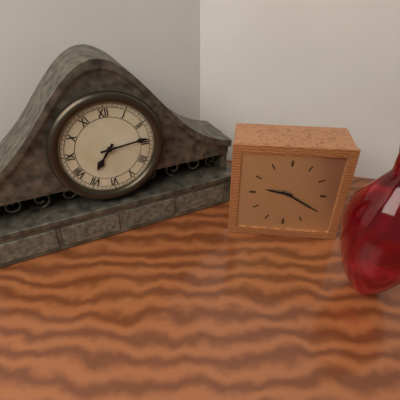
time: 7:14
